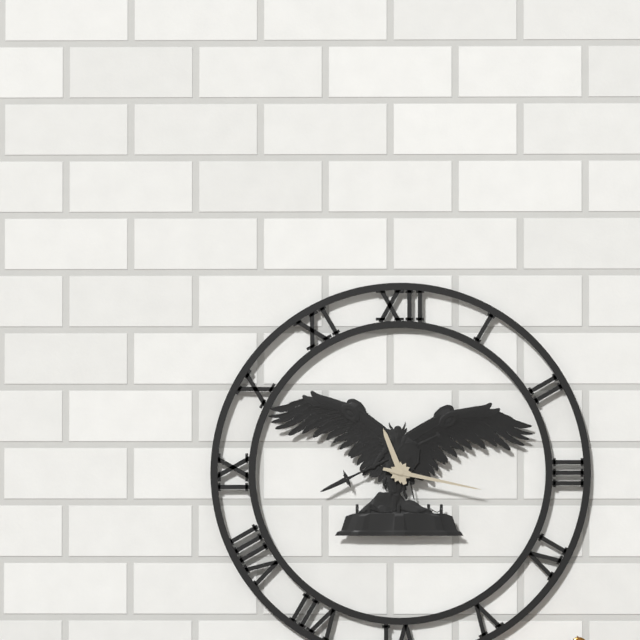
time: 11:17
